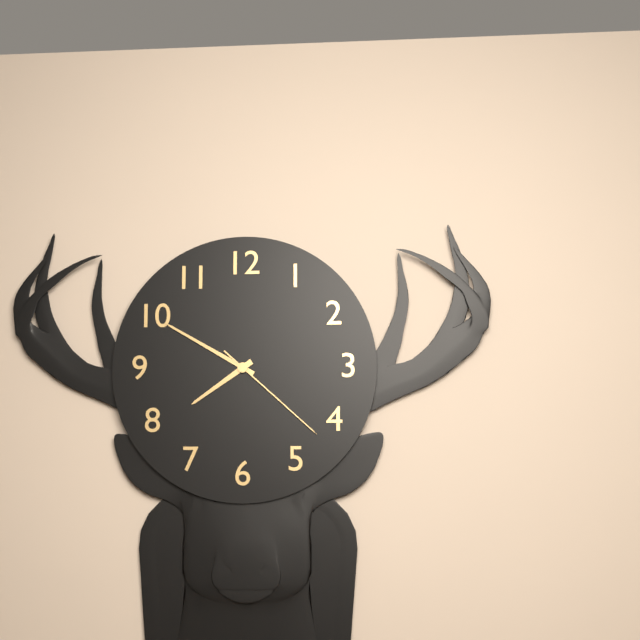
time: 7:50:22
